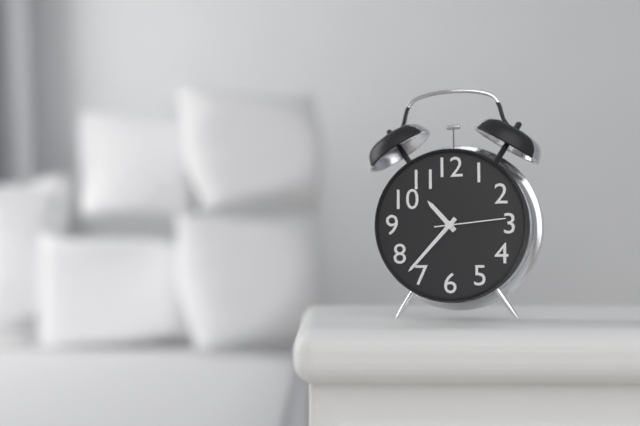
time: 10:37:14
